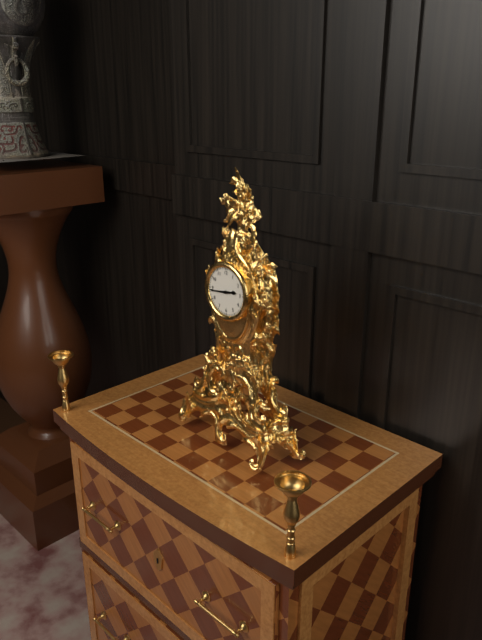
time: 2:44
